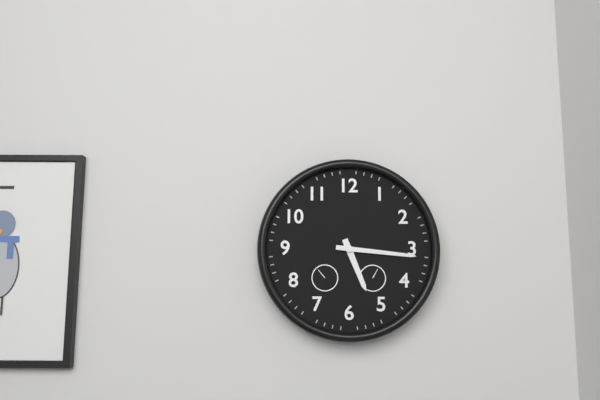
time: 5:16
